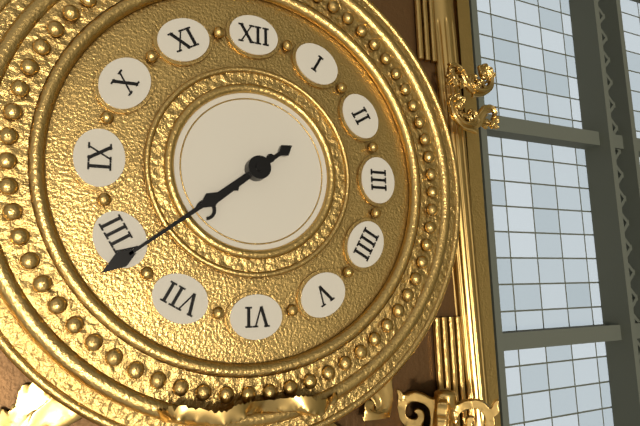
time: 7:39
